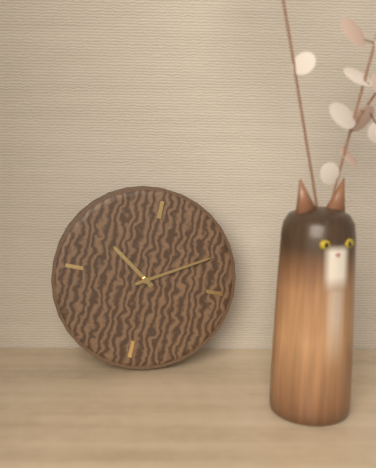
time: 10:10
